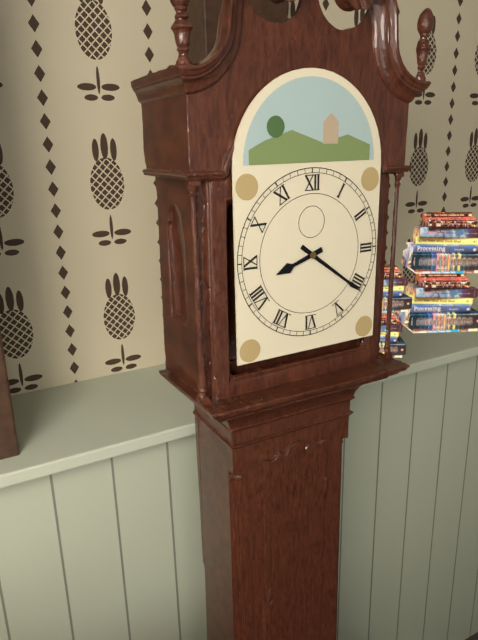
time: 8:21
